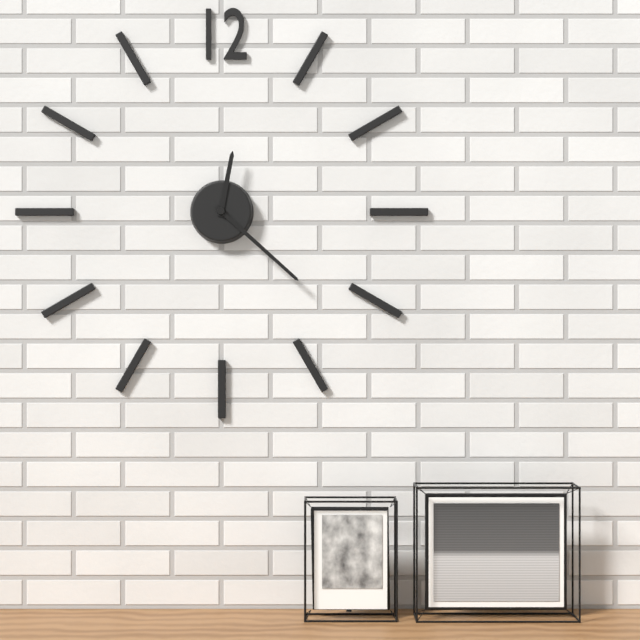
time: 12:22
